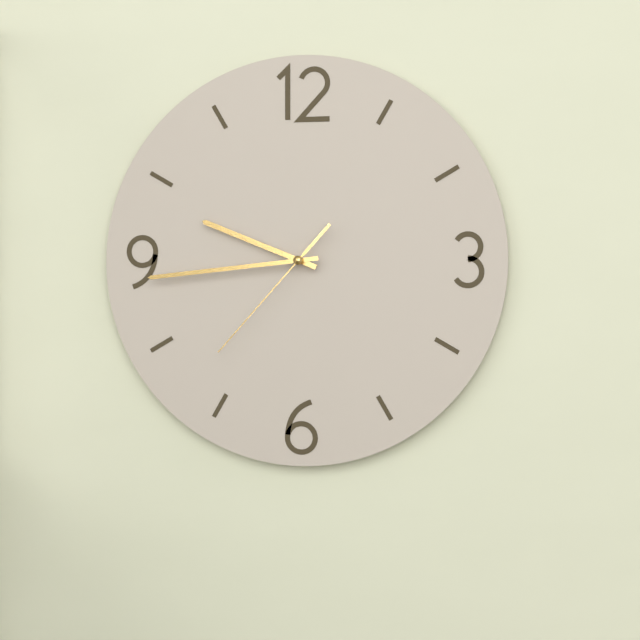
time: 9:44:37
